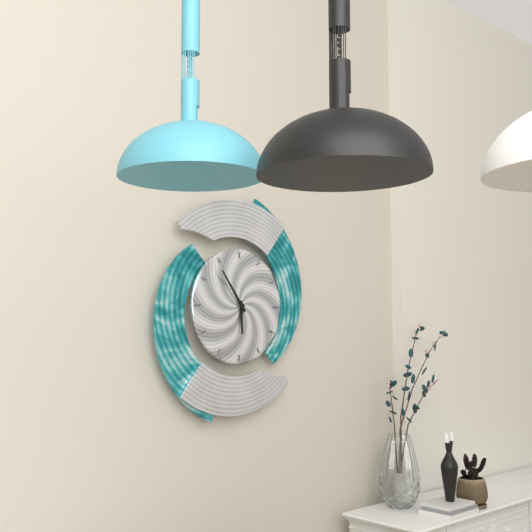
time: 5:54
